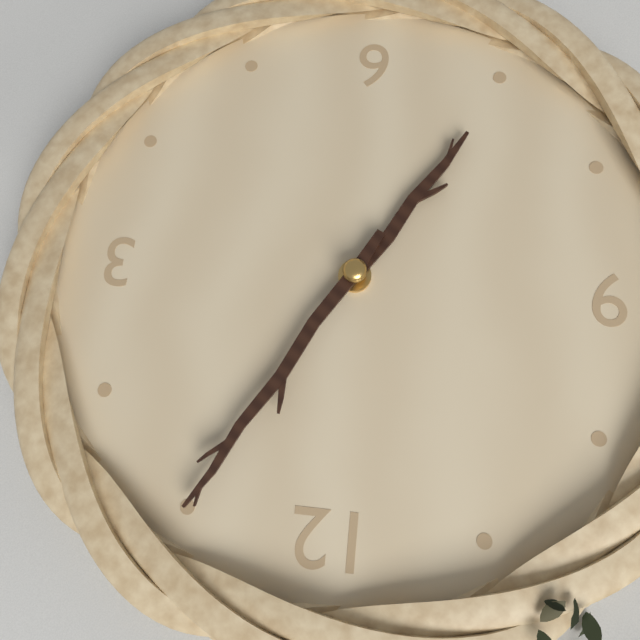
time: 7:05
